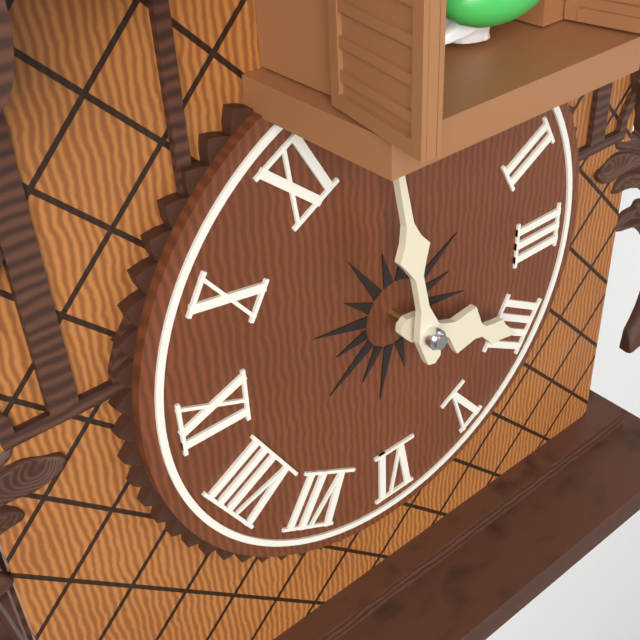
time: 3:58
